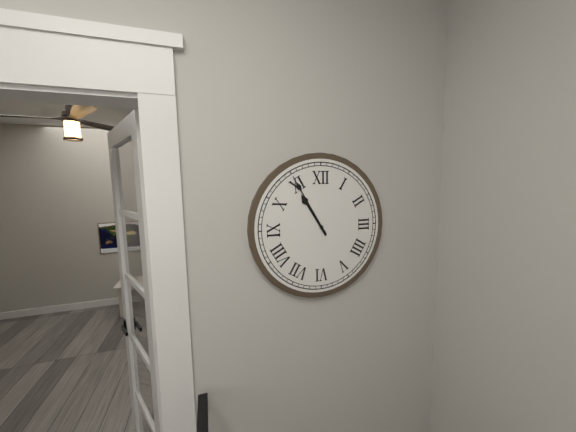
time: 10:55
